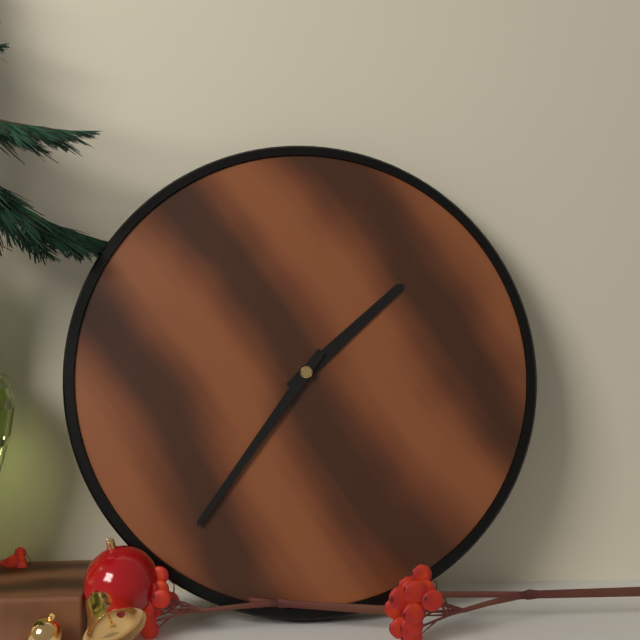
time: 1:36
